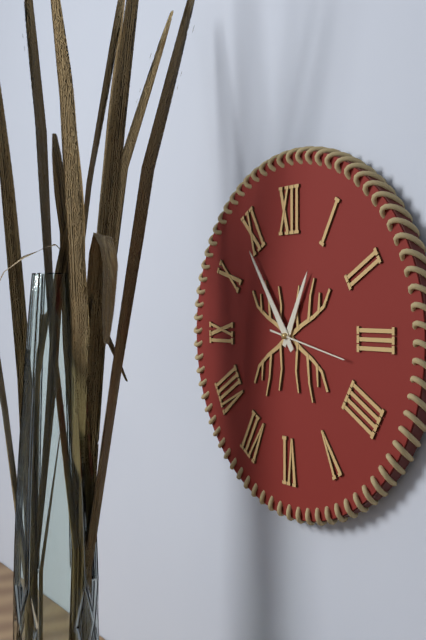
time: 12:54:17
